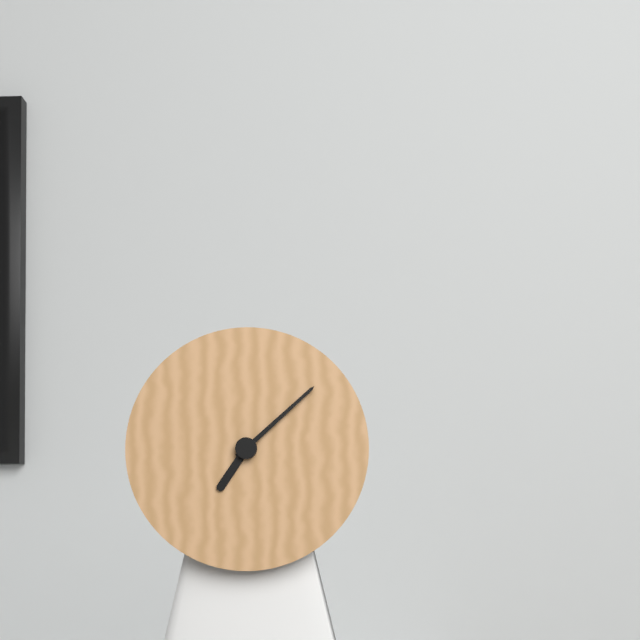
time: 7:08
